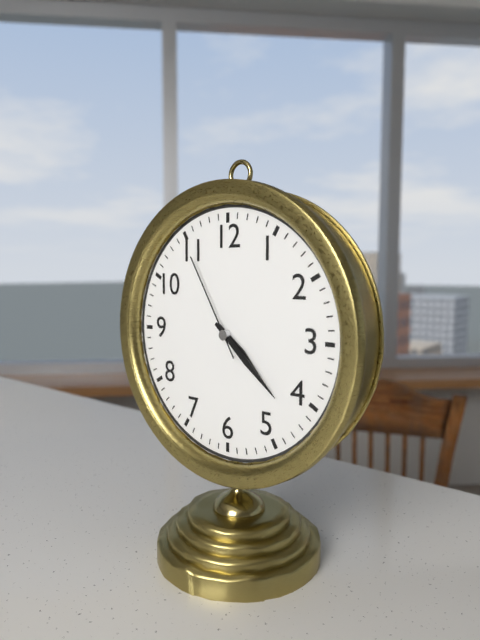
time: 4:22:55
